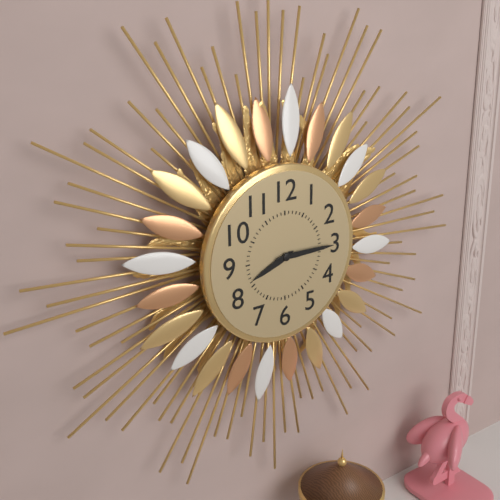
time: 8:15
